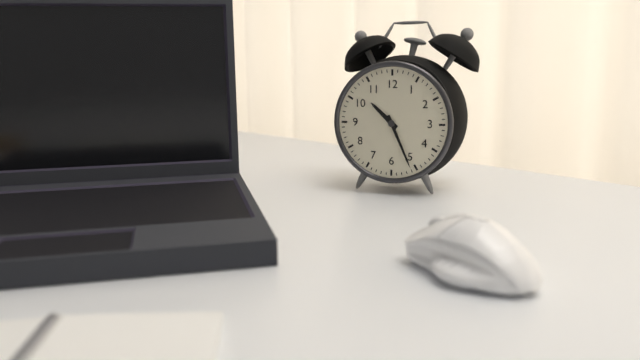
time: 10:26
